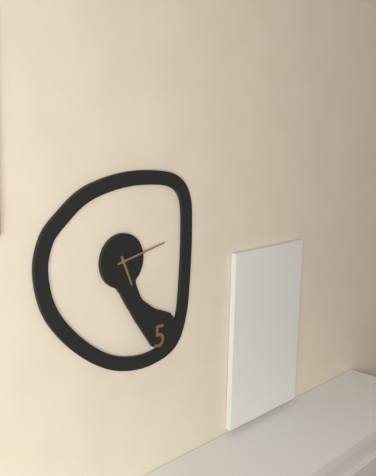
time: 5:13
